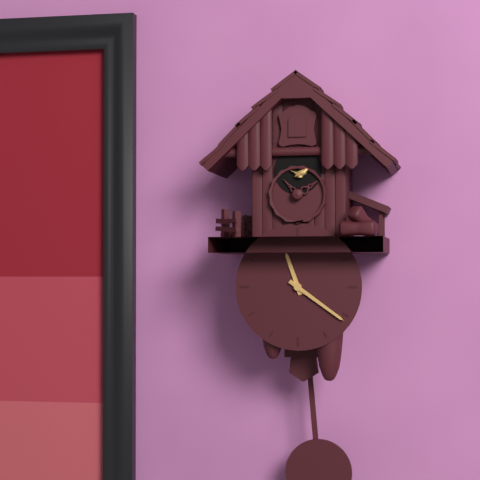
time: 11:21
